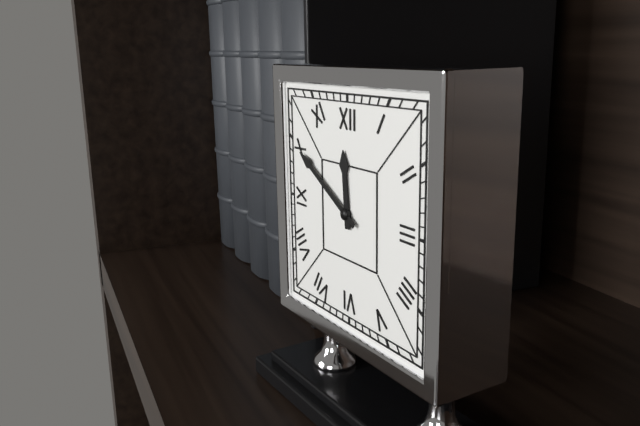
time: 11:50
